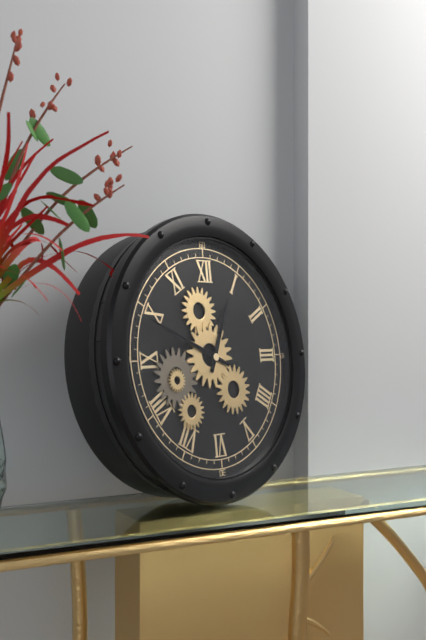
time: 12:49
